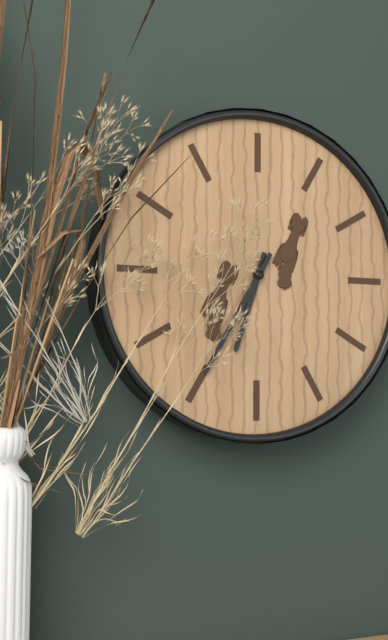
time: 6:35
